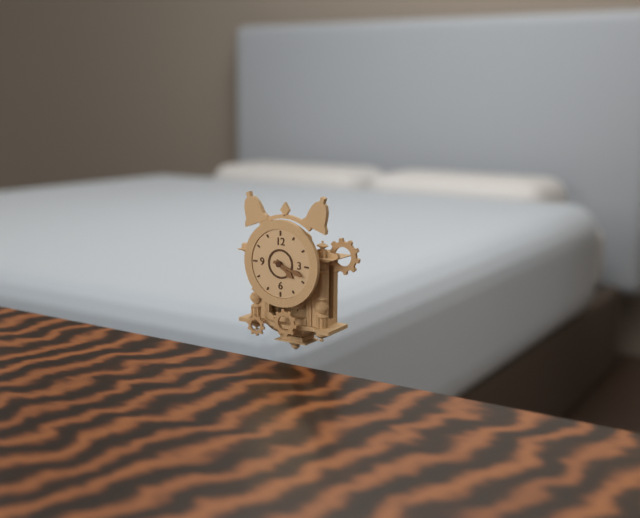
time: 4:18
